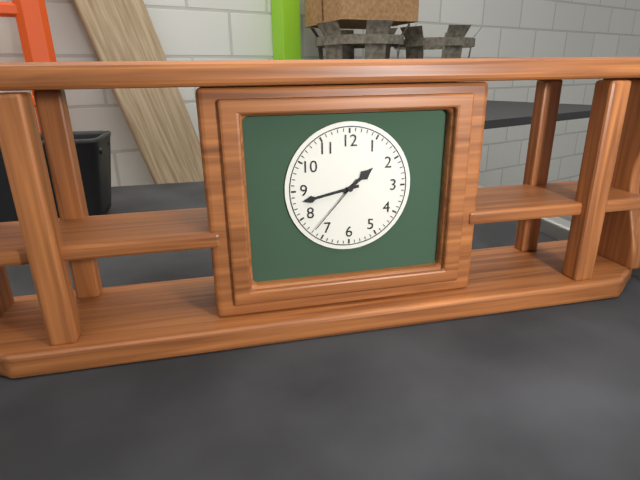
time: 1:43:37
